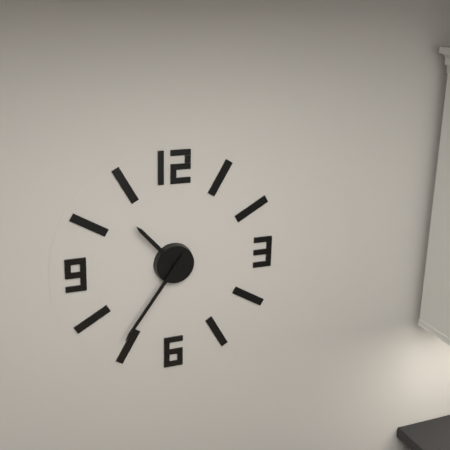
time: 10:36
